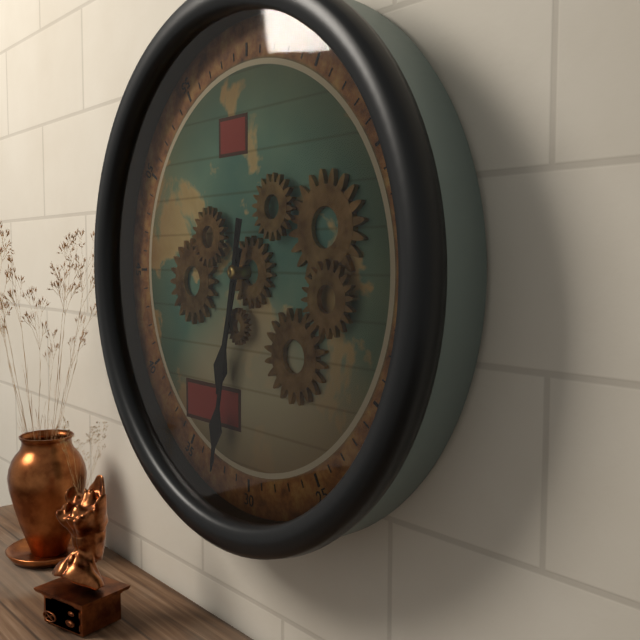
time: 6:32
